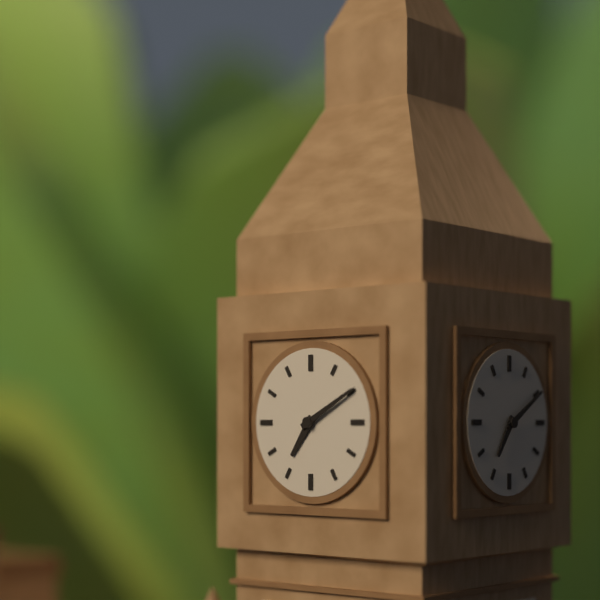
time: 7:10
